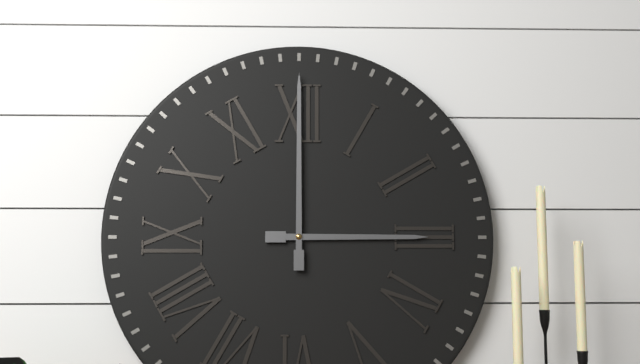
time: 3:00
